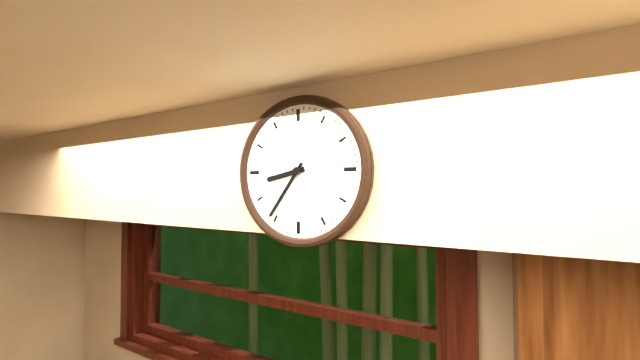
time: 8:36
